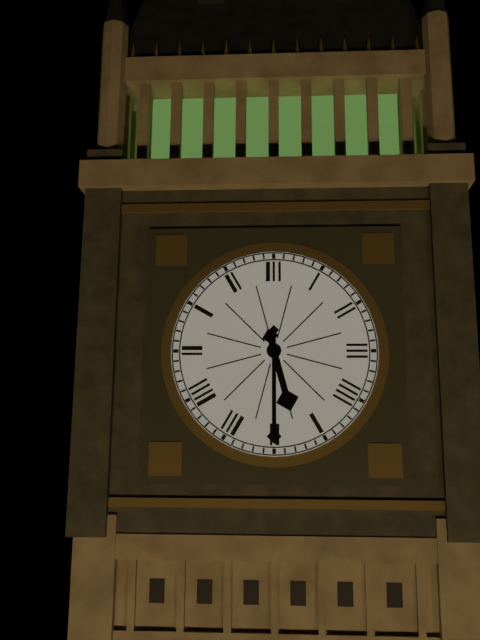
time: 5:30
